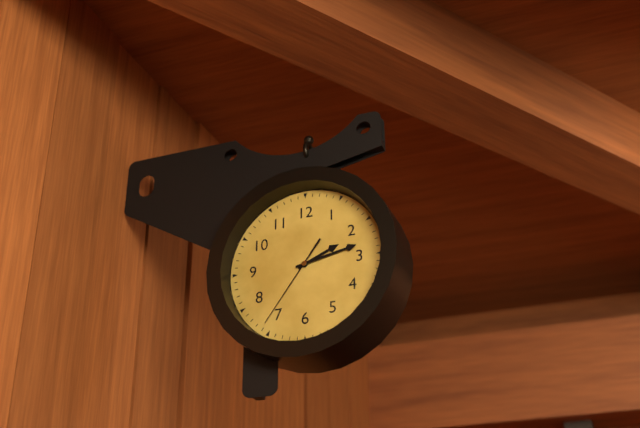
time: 2:13:36
